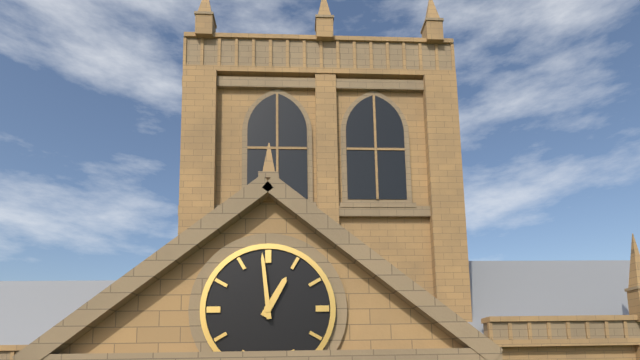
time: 12:59
